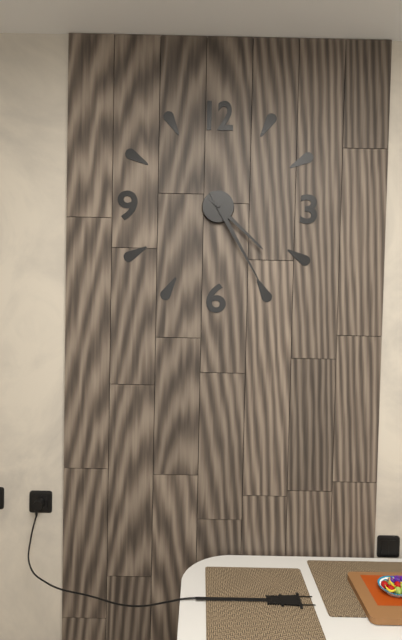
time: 4:25
